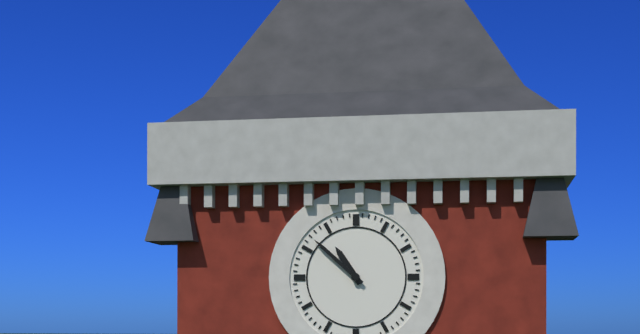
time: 10:52
